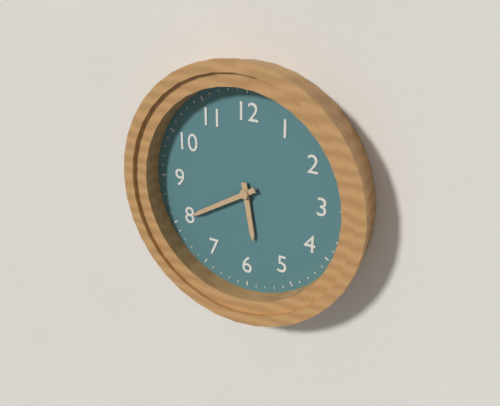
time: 5:40
